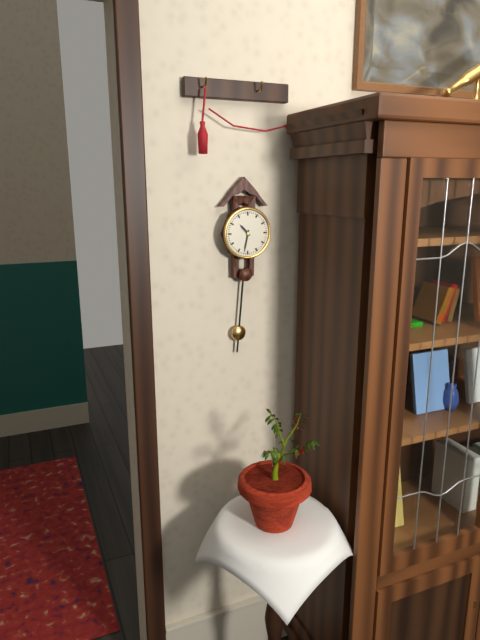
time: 10:32
